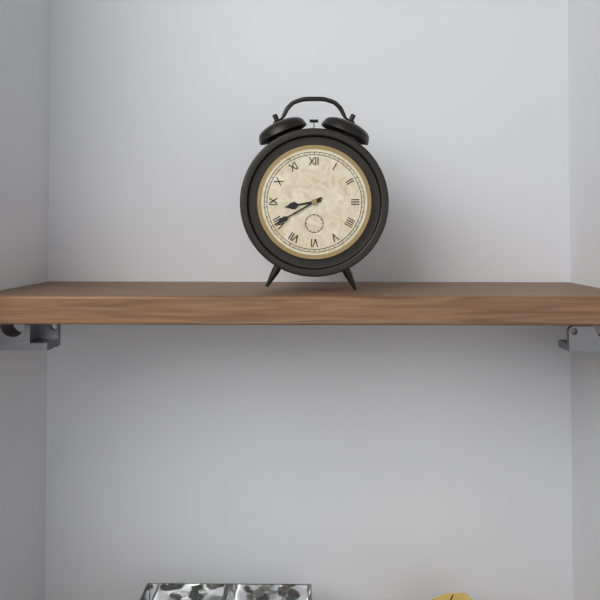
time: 8:40
